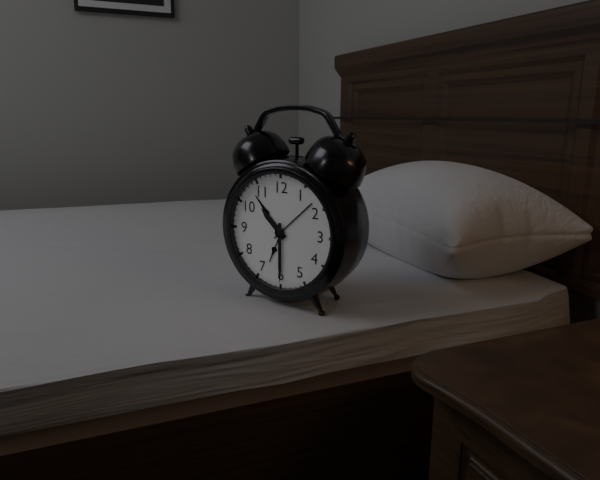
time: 10:30
